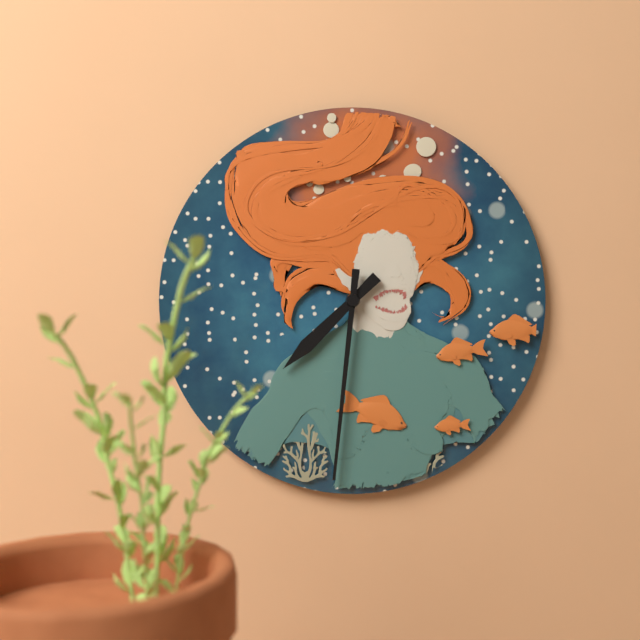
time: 7:31
